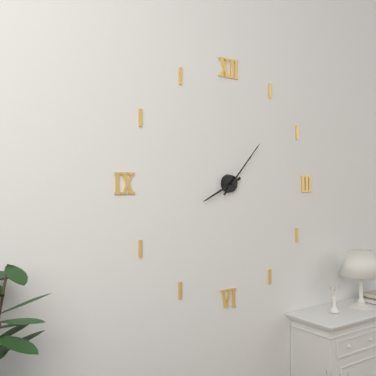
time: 8:07
